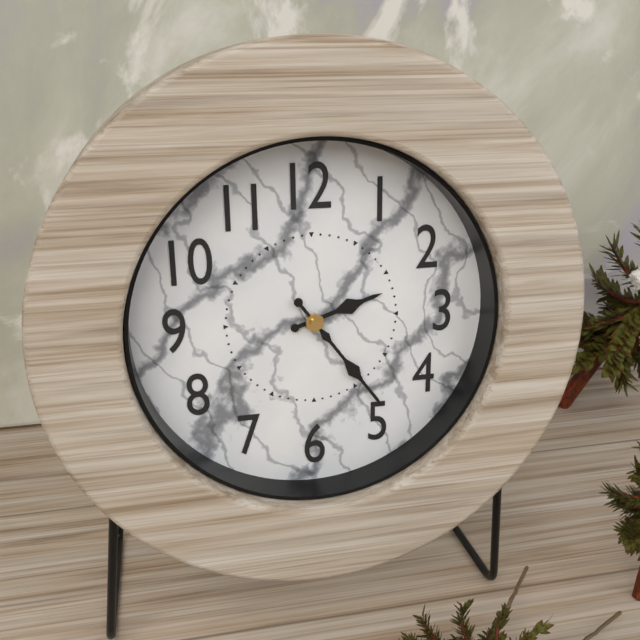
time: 2:24
